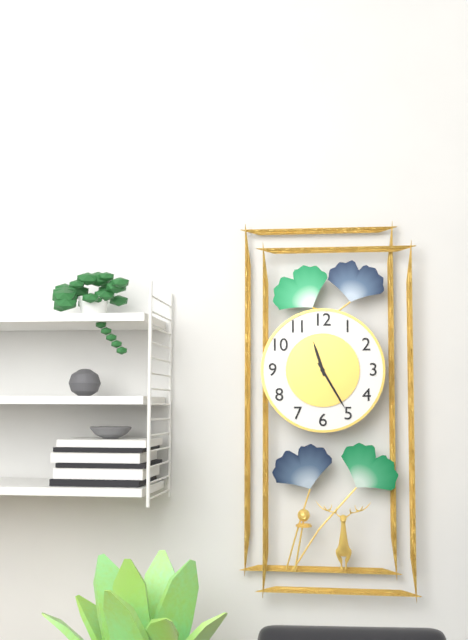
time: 11:25
